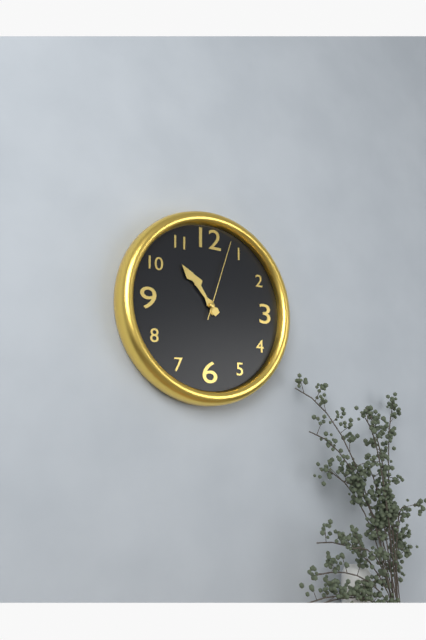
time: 10:53:03
